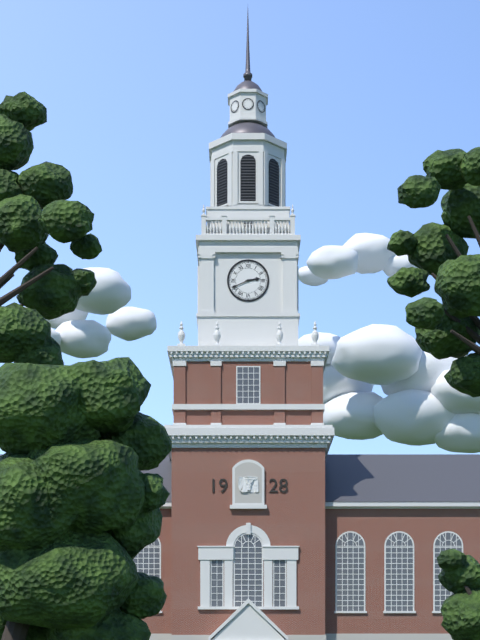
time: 2:41
